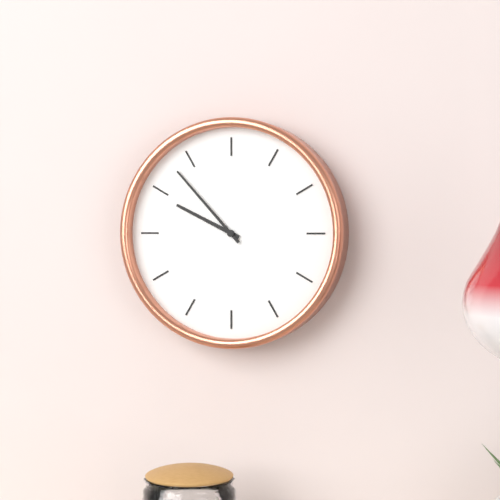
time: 9:53
